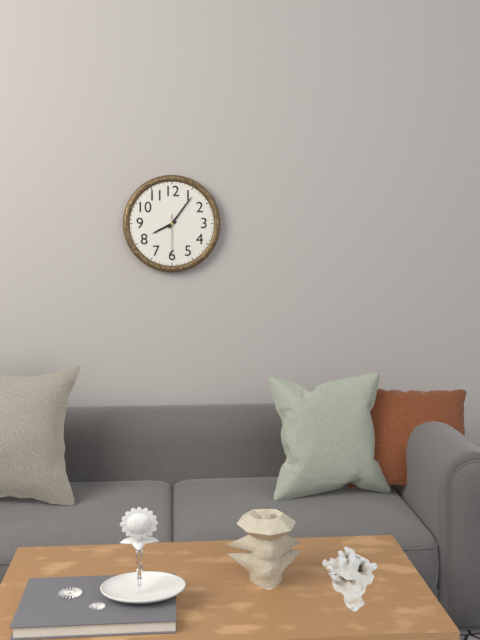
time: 8:06
